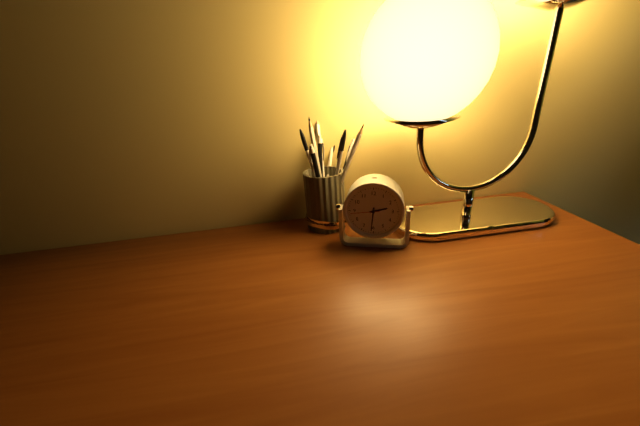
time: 2:31
